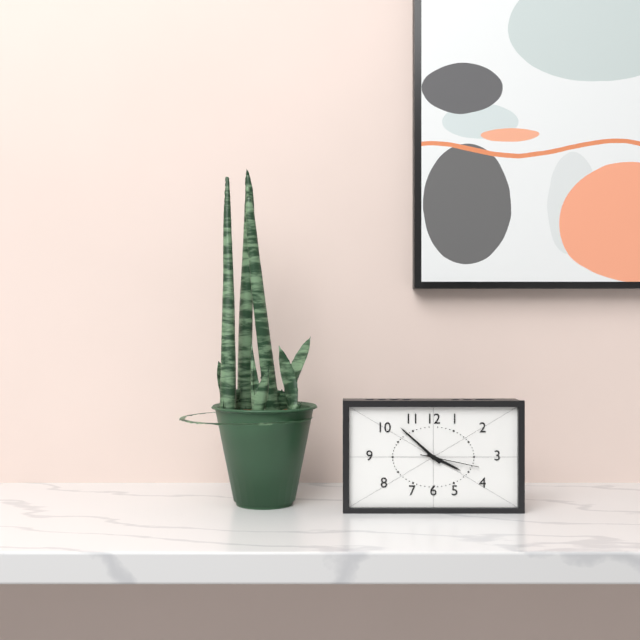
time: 3:52:17
